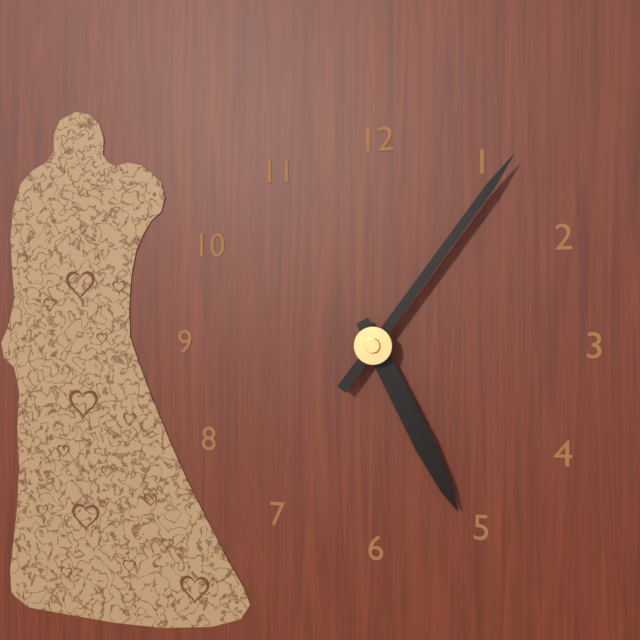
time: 5:06
